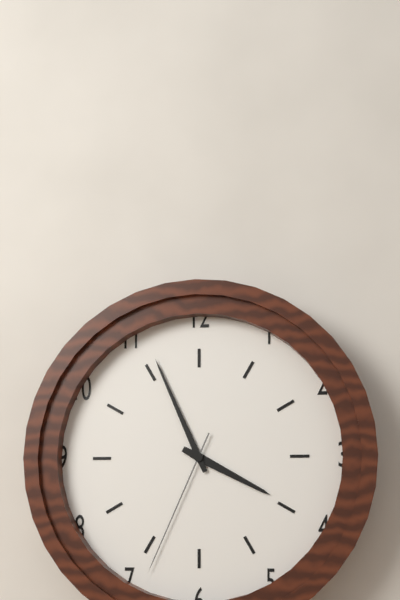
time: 3:56:34
